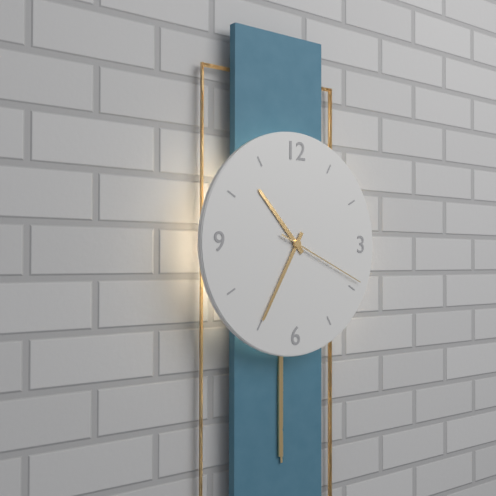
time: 10:35:19
